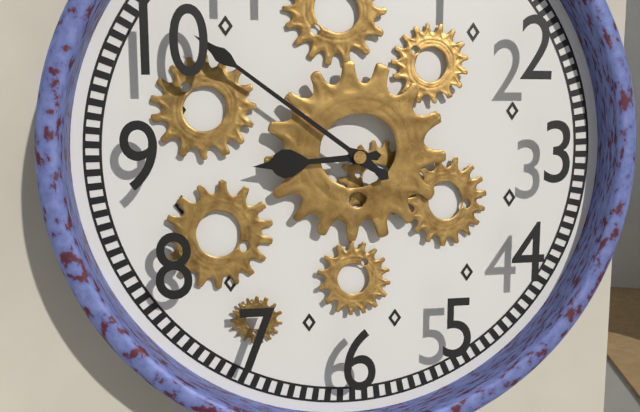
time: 8:51
